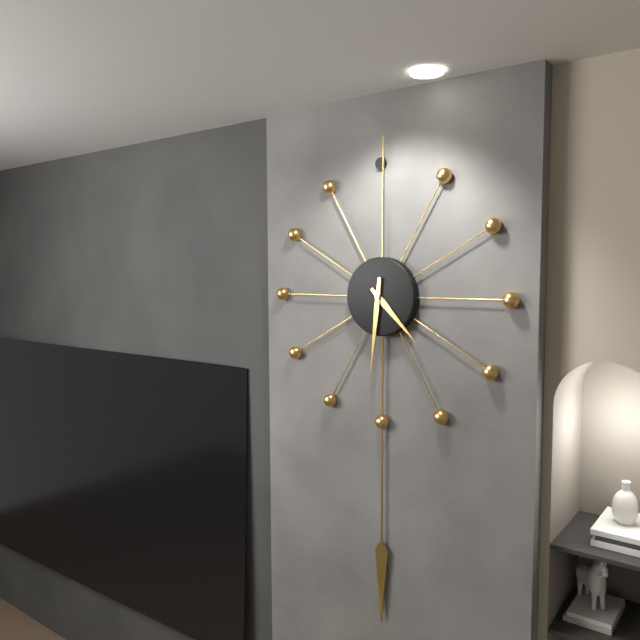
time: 4:31
